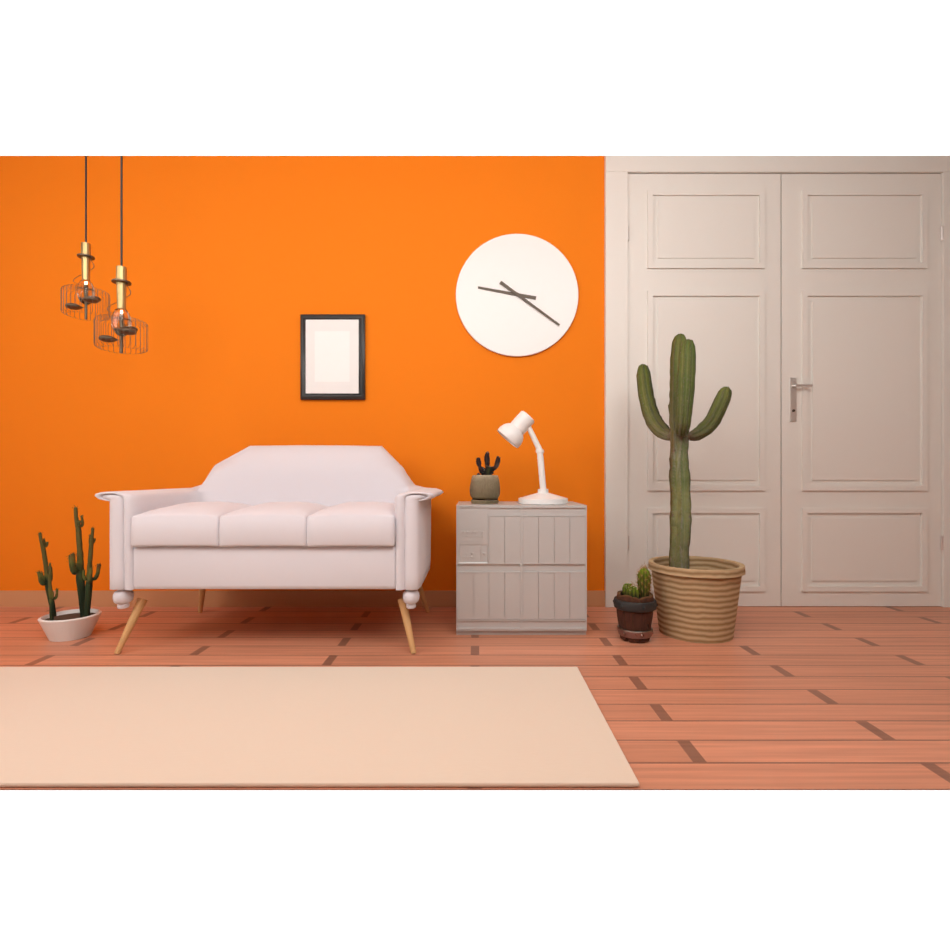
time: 9:21
